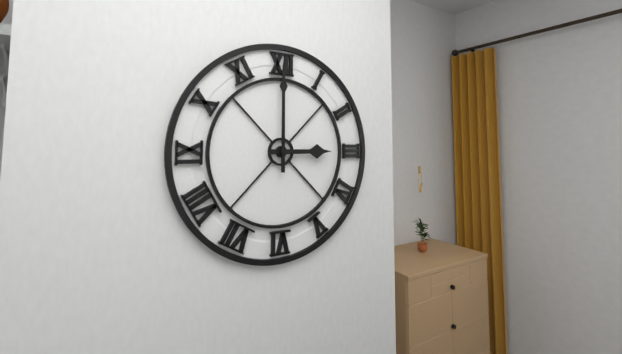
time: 3:00
